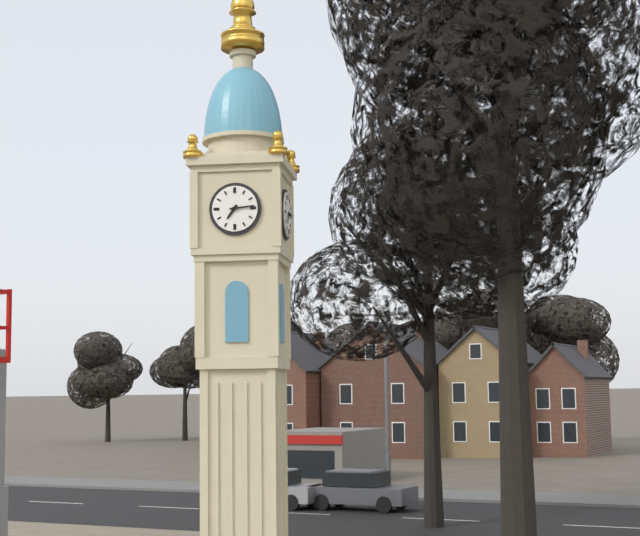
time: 7:14
